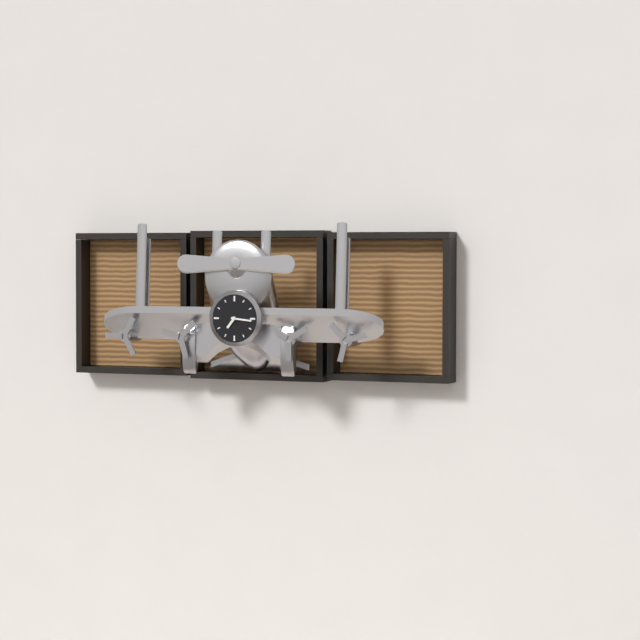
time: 7:16
